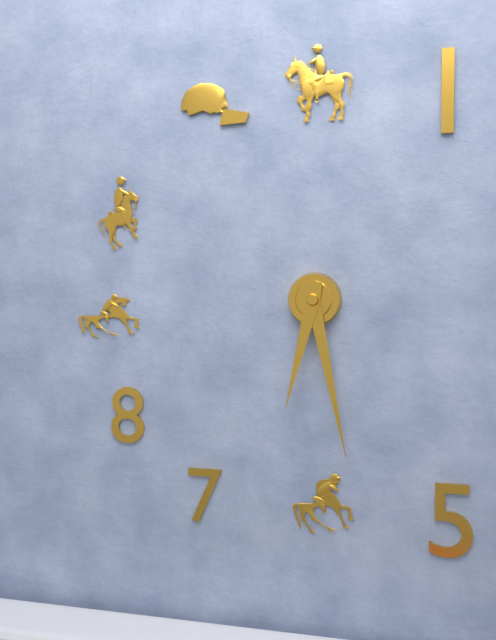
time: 6:28
